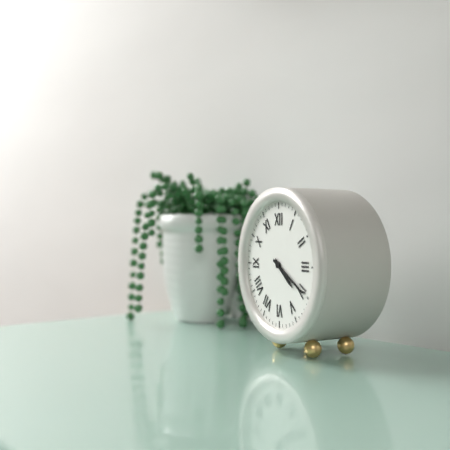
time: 4:20
